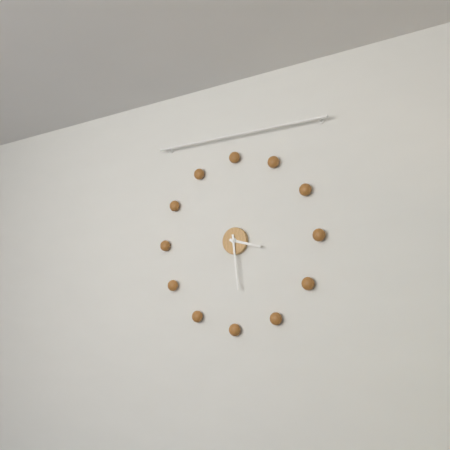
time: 3:29
